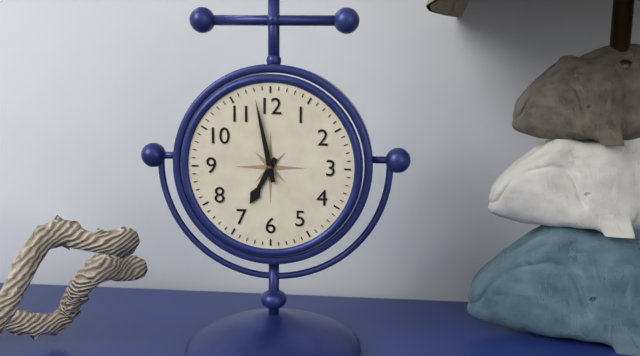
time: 6:58
